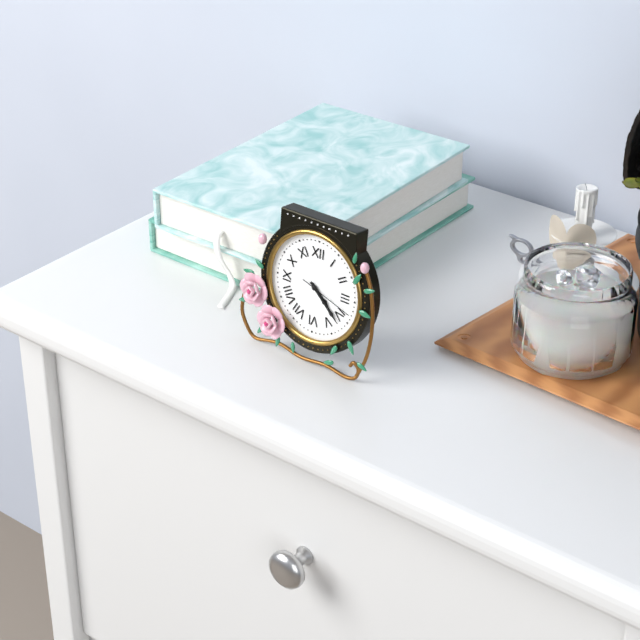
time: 4:22:18
